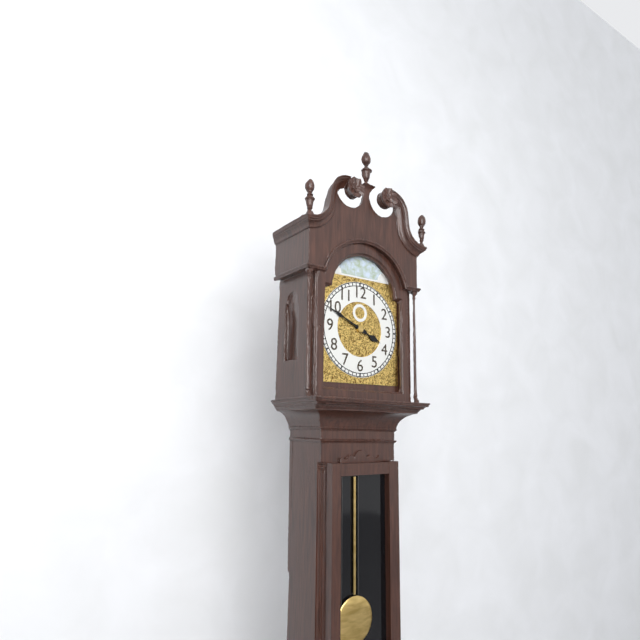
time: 3:49
